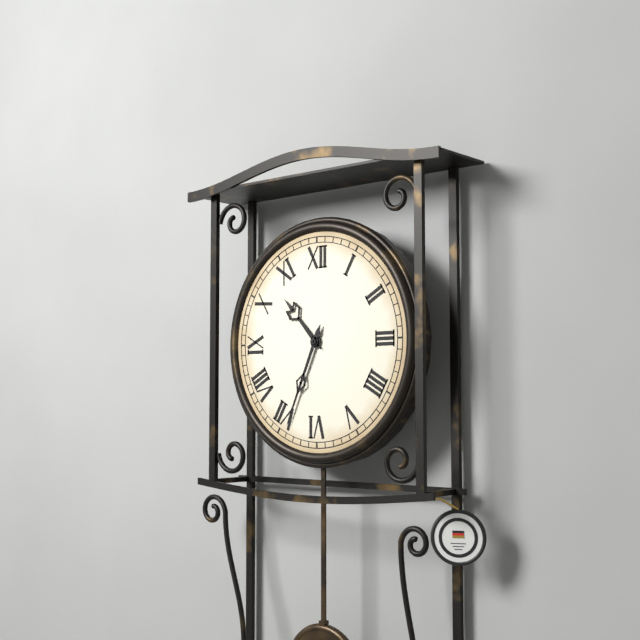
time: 10:34
